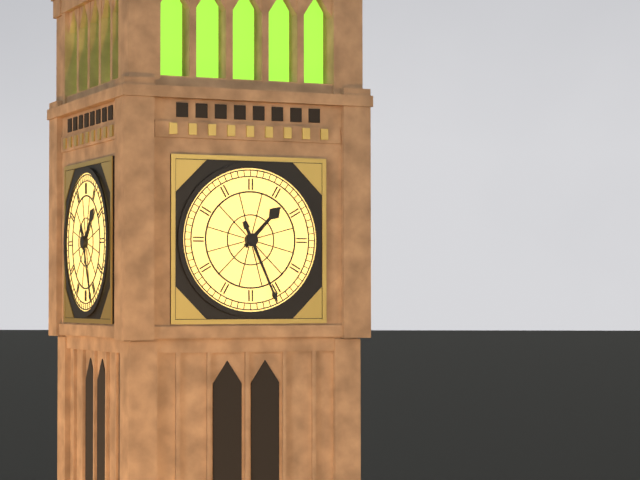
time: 1:26
